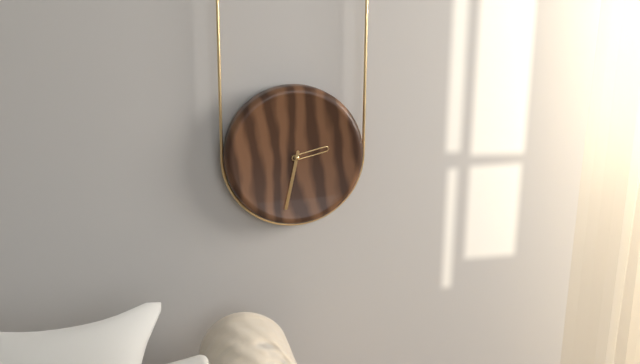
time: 2:32
